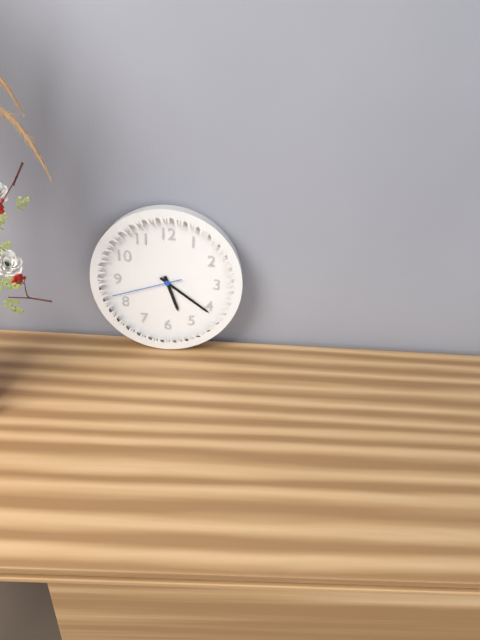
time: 5:21:42
